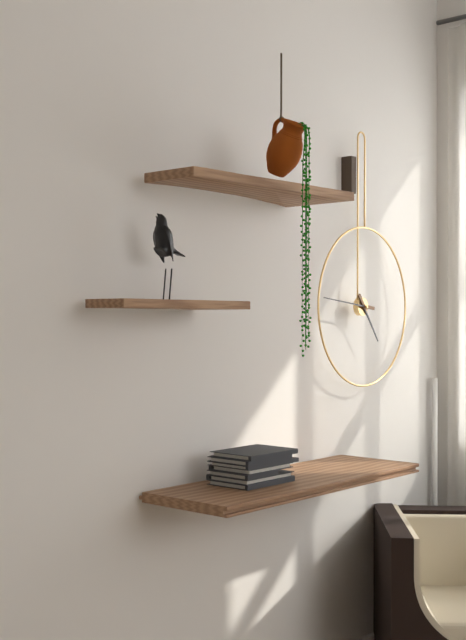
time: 4:46
